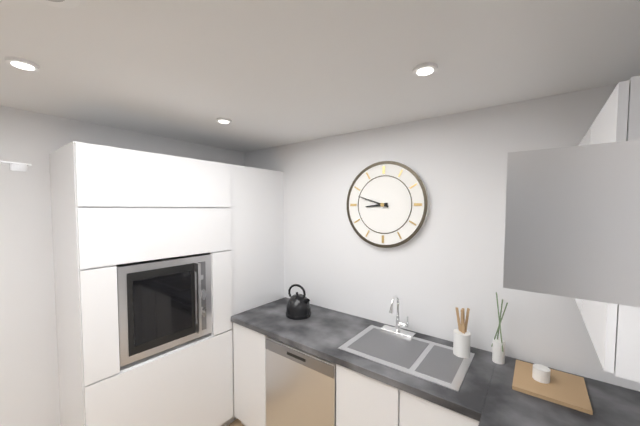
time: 8:48
